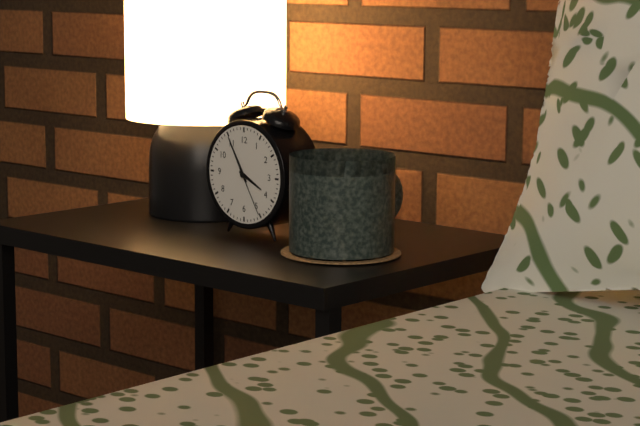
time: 3:55:25
